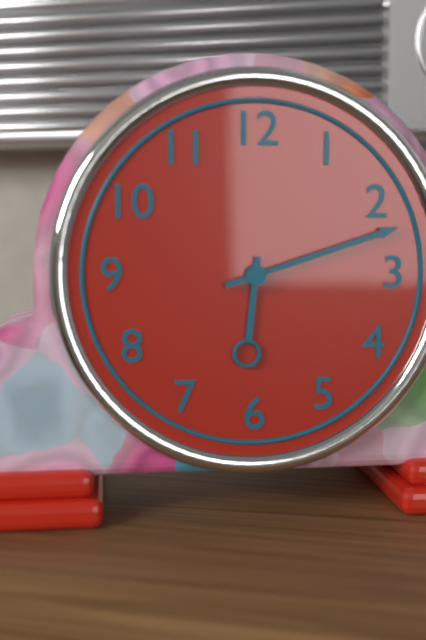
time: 6:12
